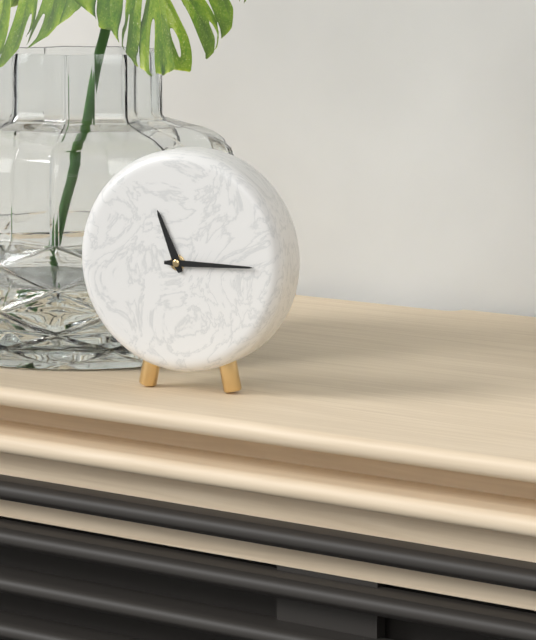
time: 11:15
